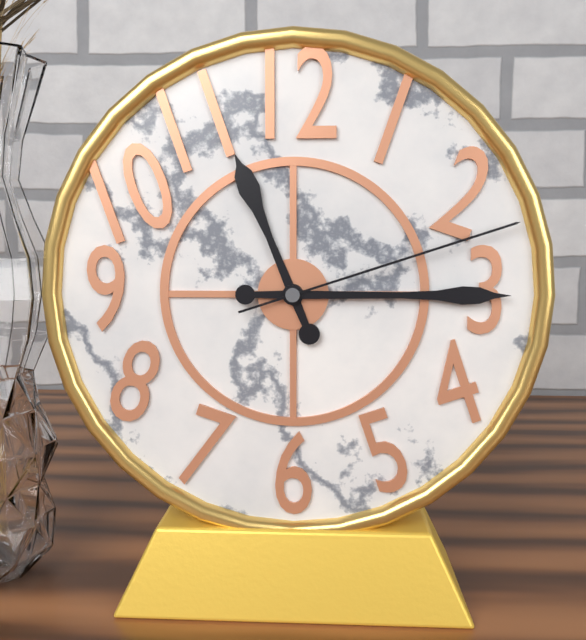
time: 11:15:12
